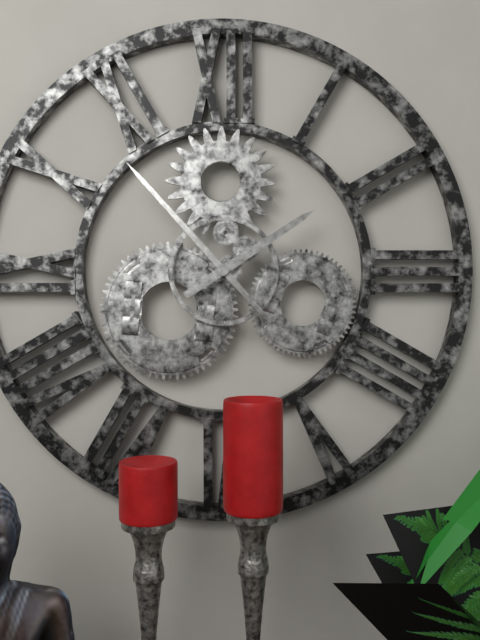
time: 1:53
